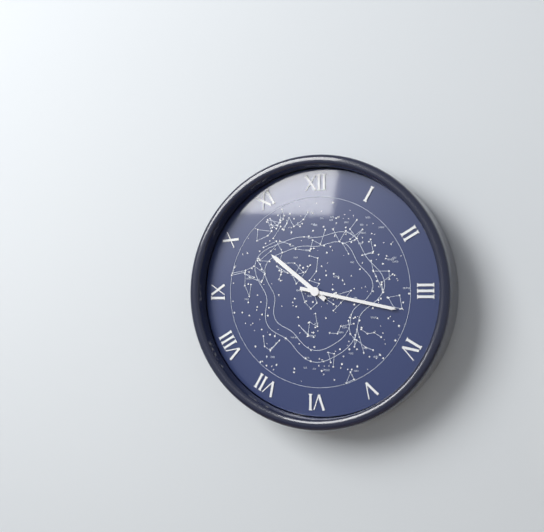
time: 10:17
